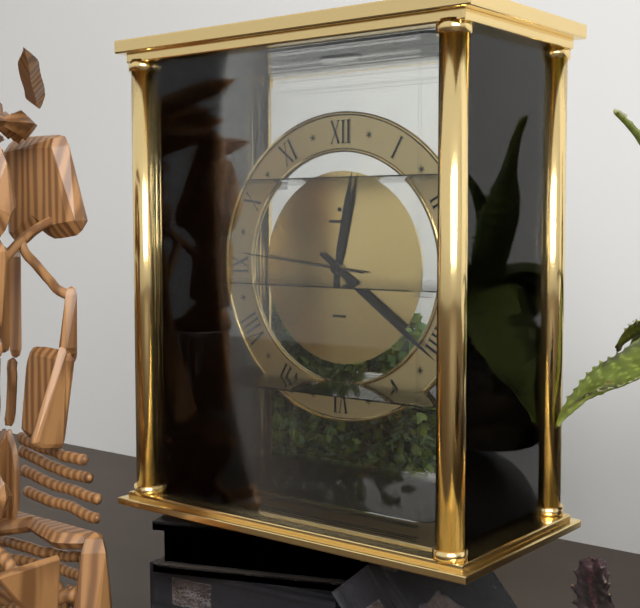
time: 12:21:46
